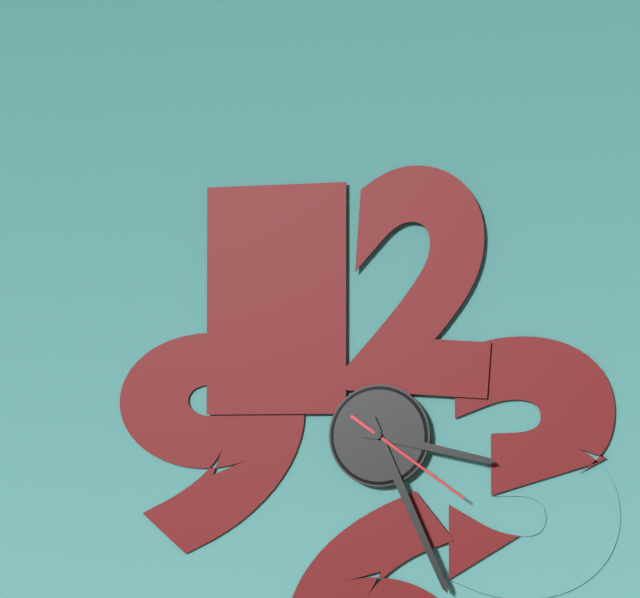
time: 3:26:21
